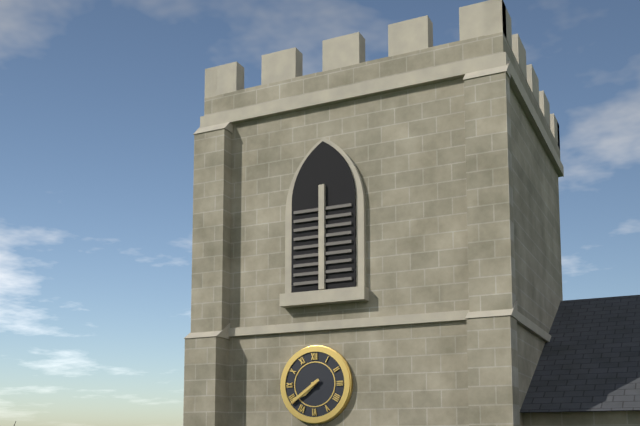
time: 7:39
